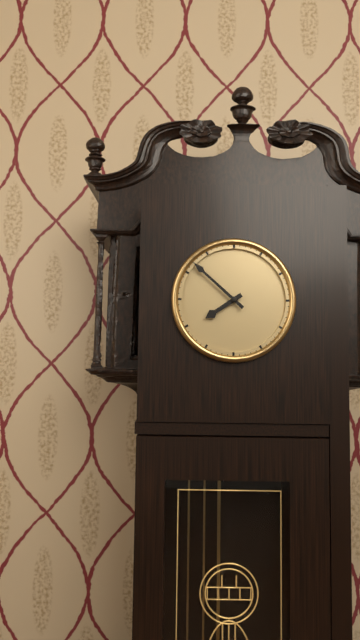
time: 7:52
